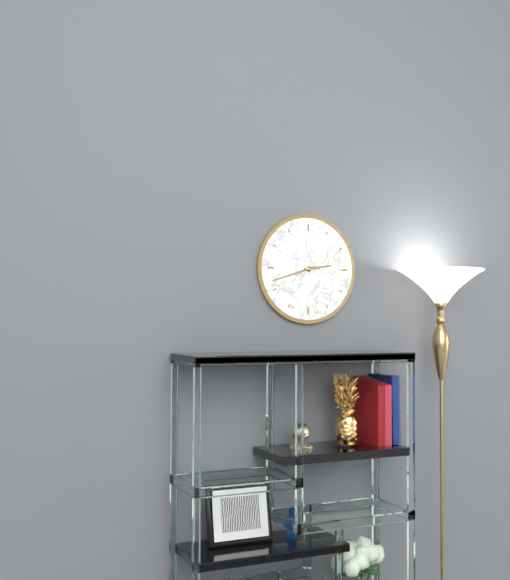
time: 2:42
